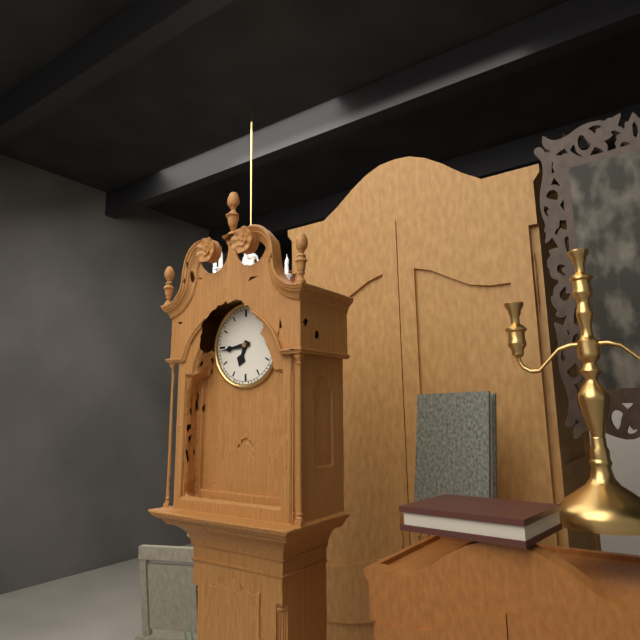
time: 6:44
